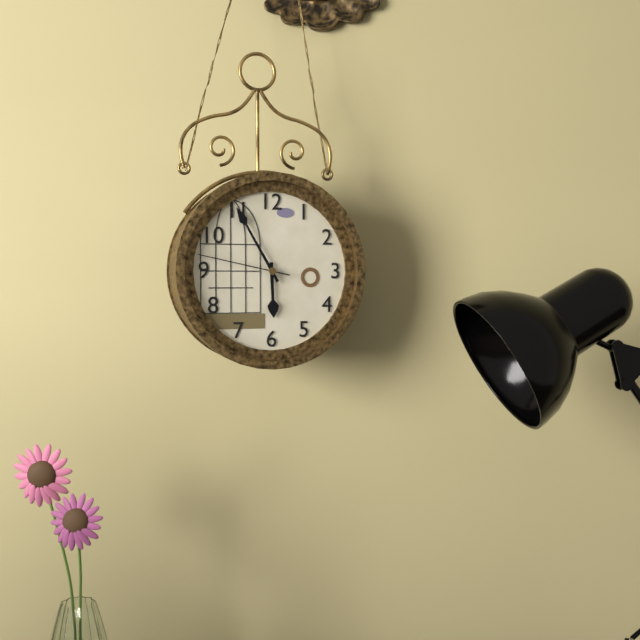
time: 5:55:47
